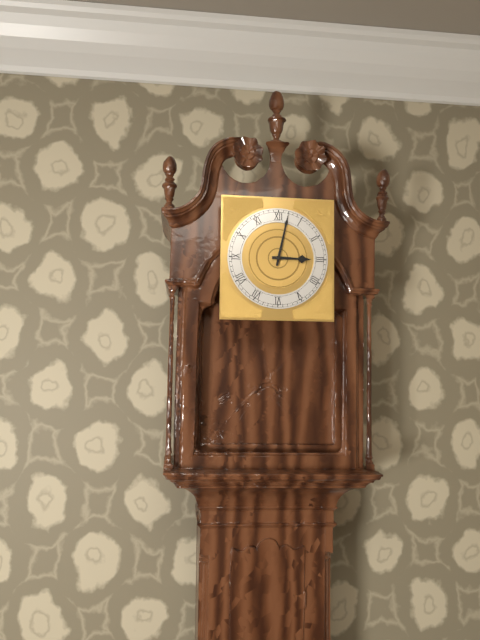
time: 3:02
